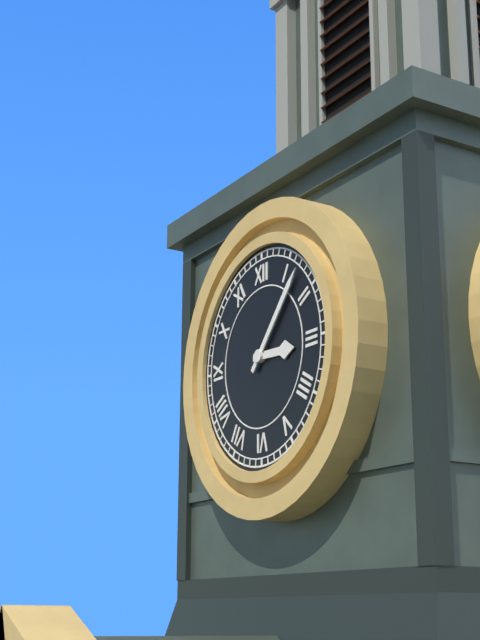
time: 3:07
